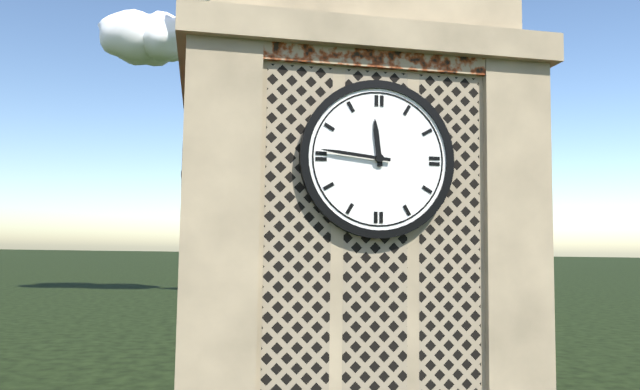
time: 11:46
